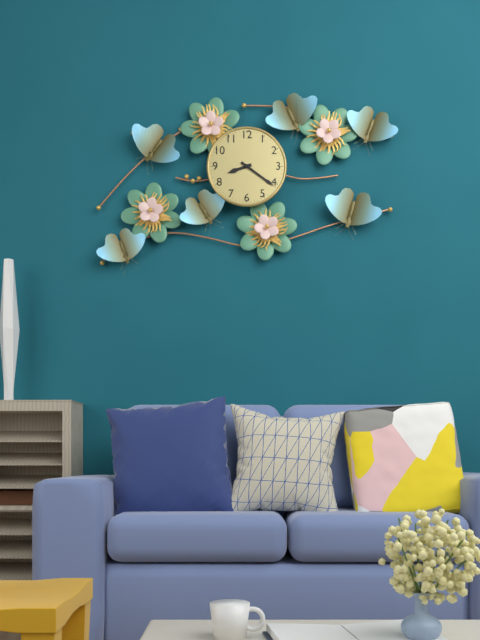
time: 8:21
